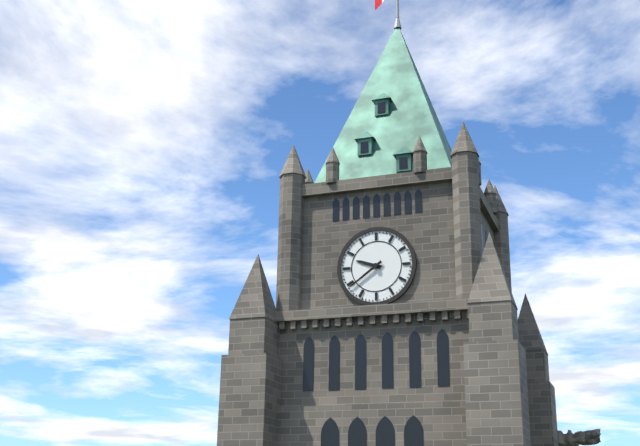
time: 9:39
